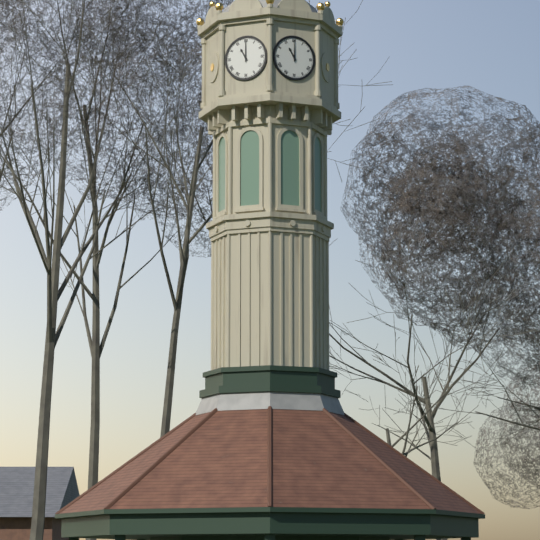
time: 11:00
